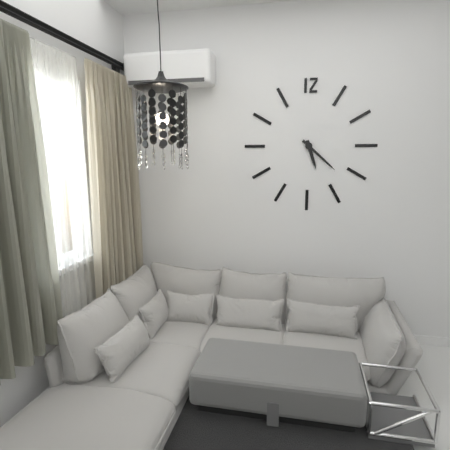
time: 5:22
